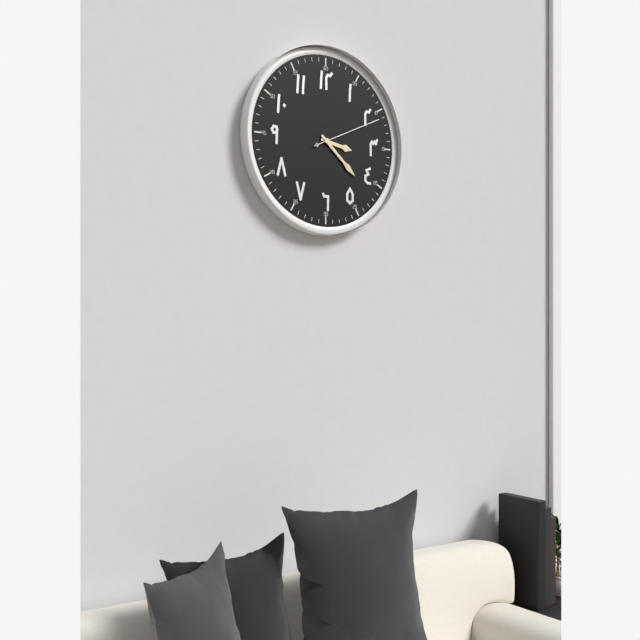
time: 3:22:11
